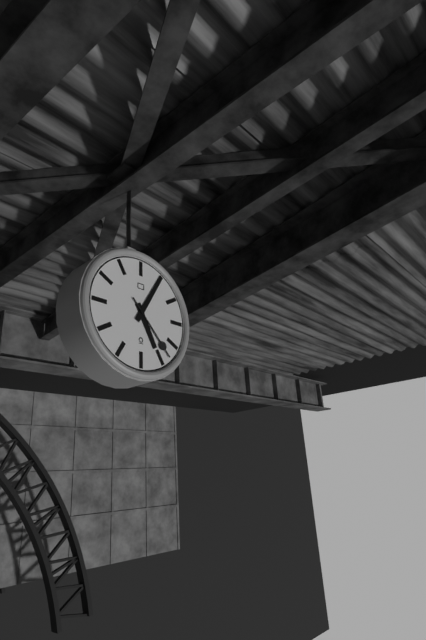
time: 5:05:23
